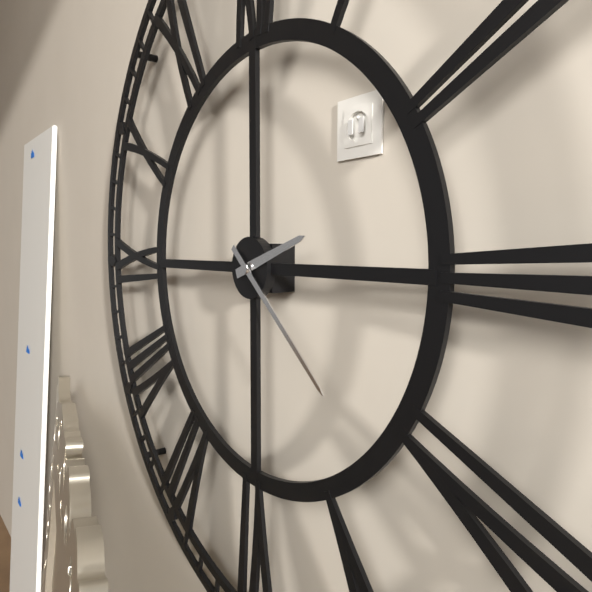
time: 2:22
